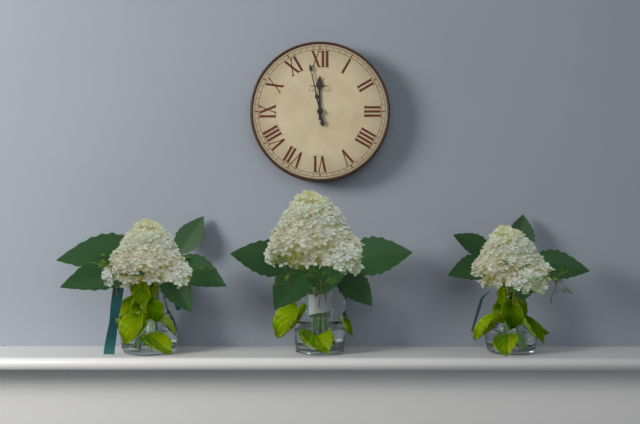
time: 11:58
